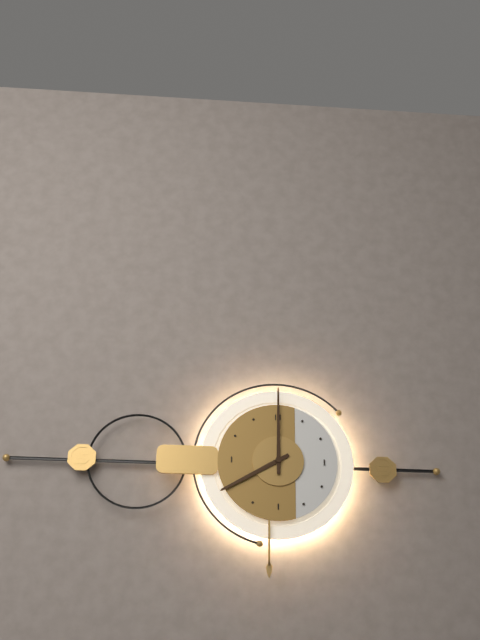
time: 8:00
